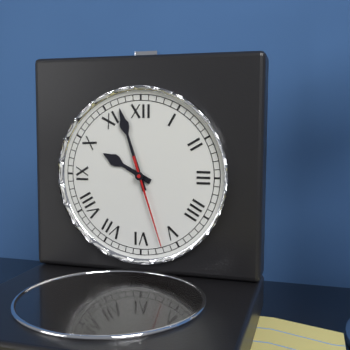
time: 9:57:27
